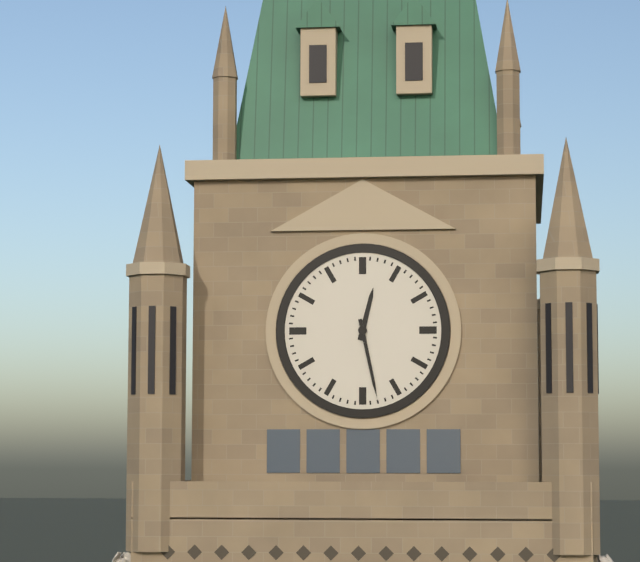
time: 12:28
